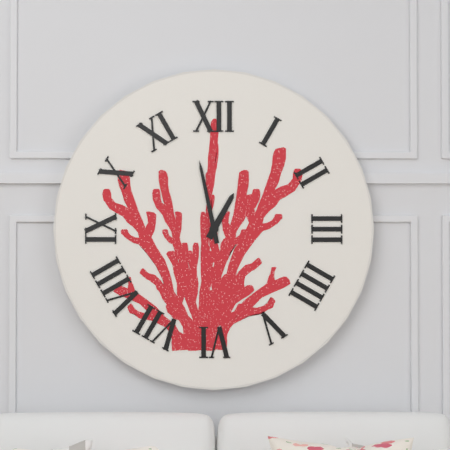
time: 12:58
